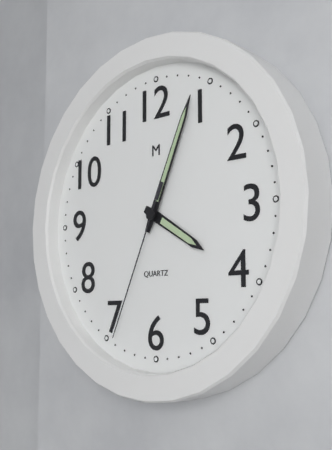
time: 4:04:34
